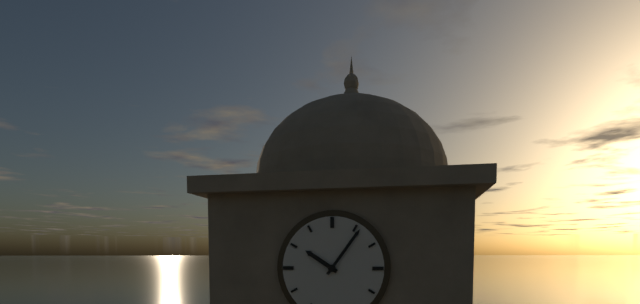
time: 10:06
